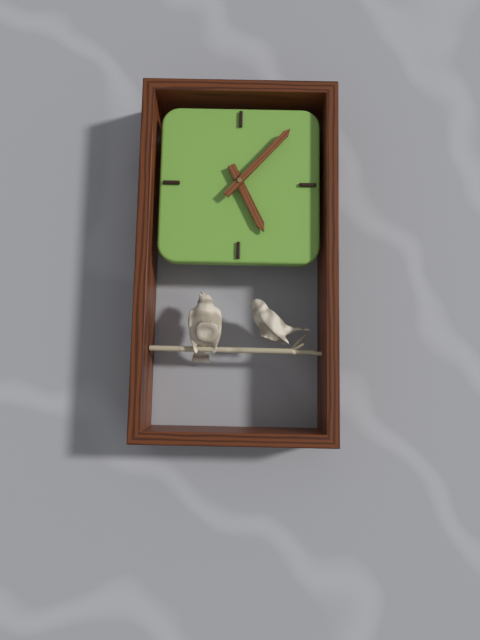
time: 5:07
